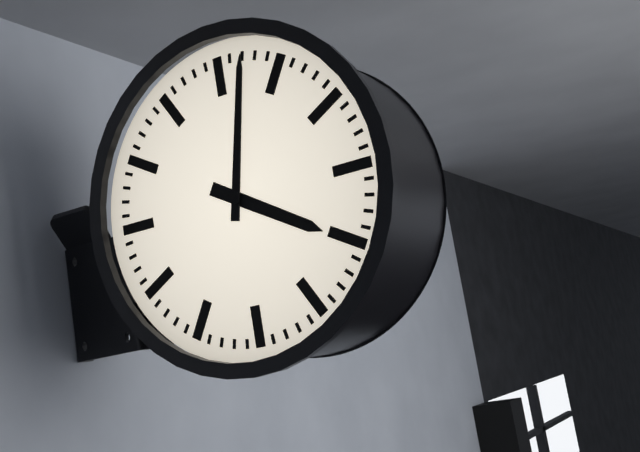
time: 4:02
